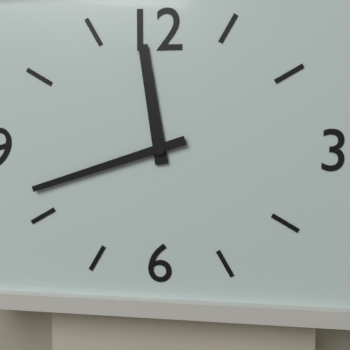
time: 11:42
